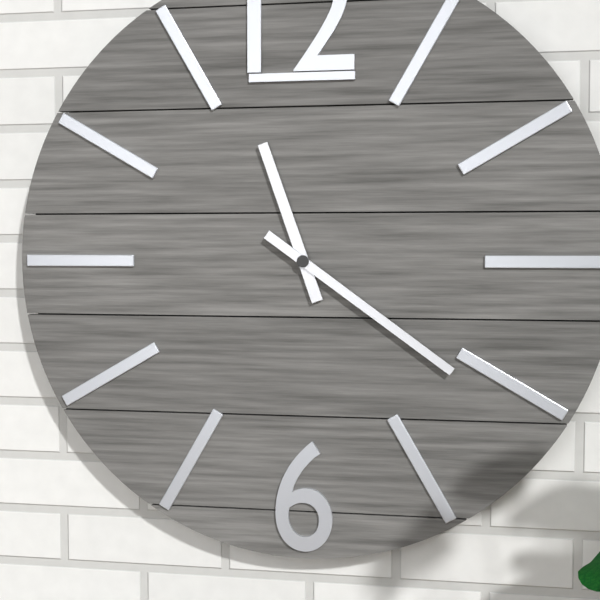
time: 11:21
